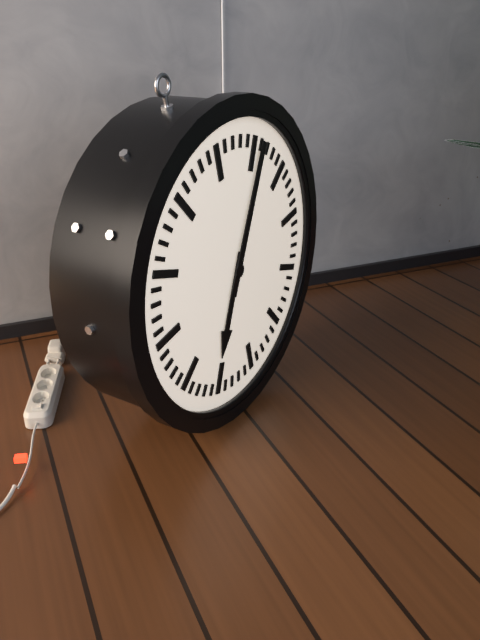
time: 7:06
